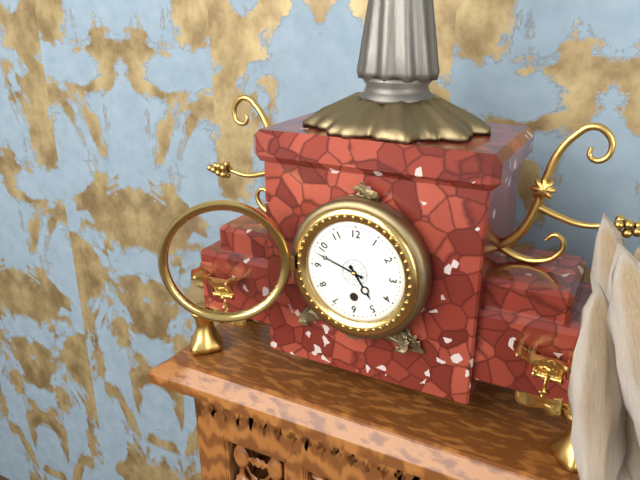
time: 4:48
